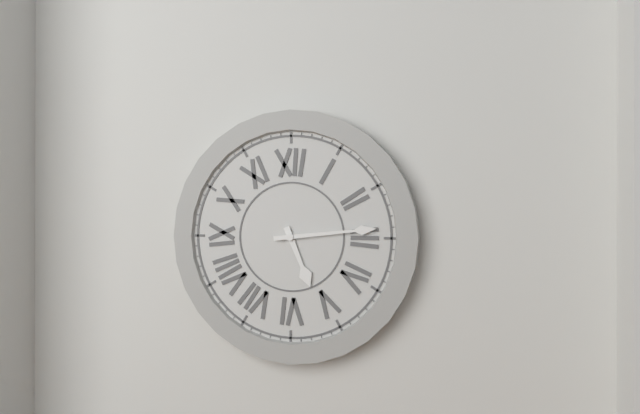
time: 5:14
